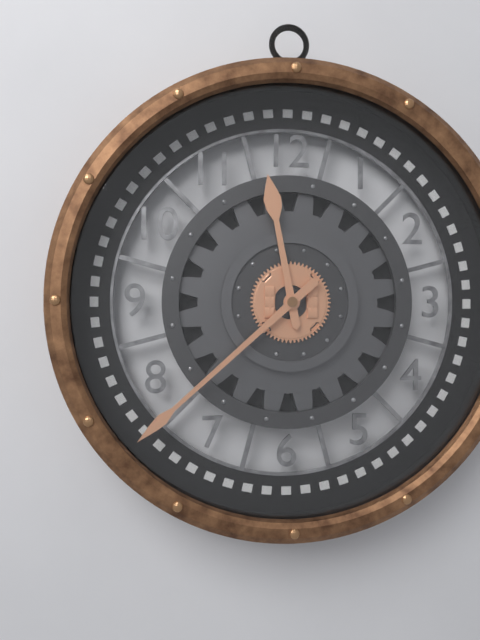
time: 11:38
